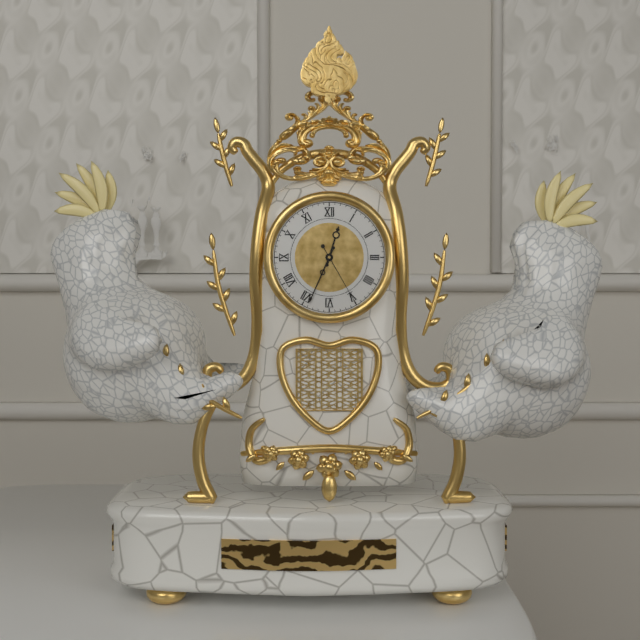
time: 12:34:25
